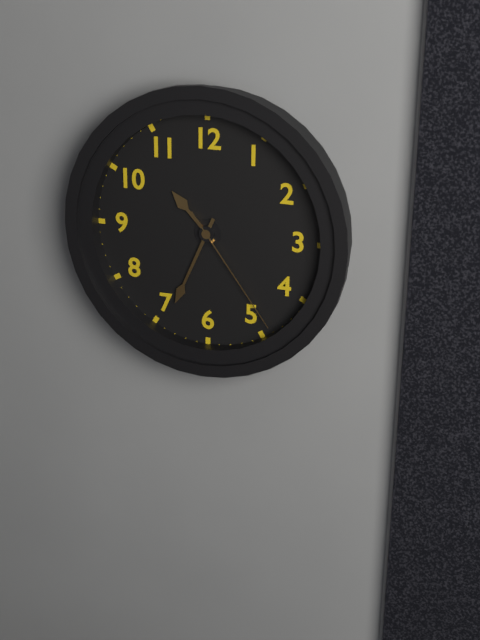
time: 10:34:24
